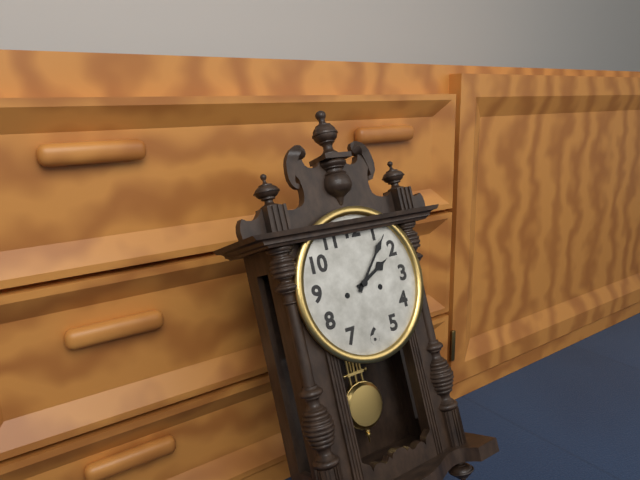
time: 2:07
